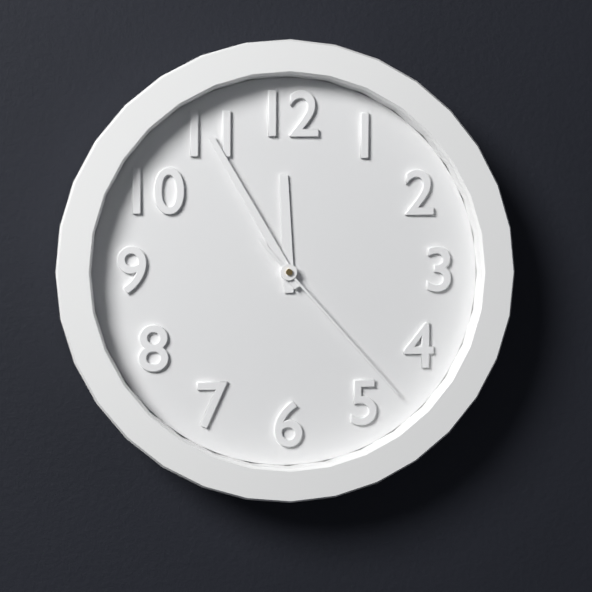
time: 11:55:23
